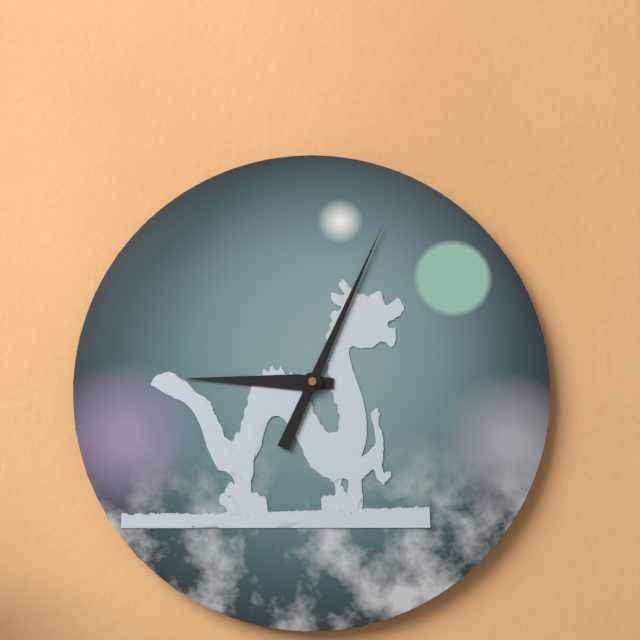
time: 9:04
